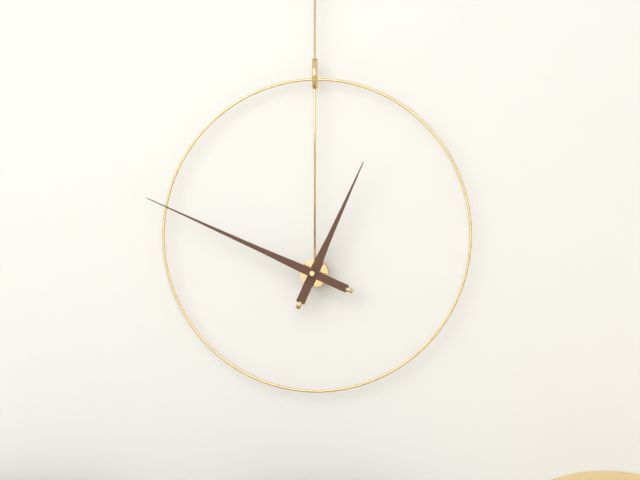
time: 12:49
